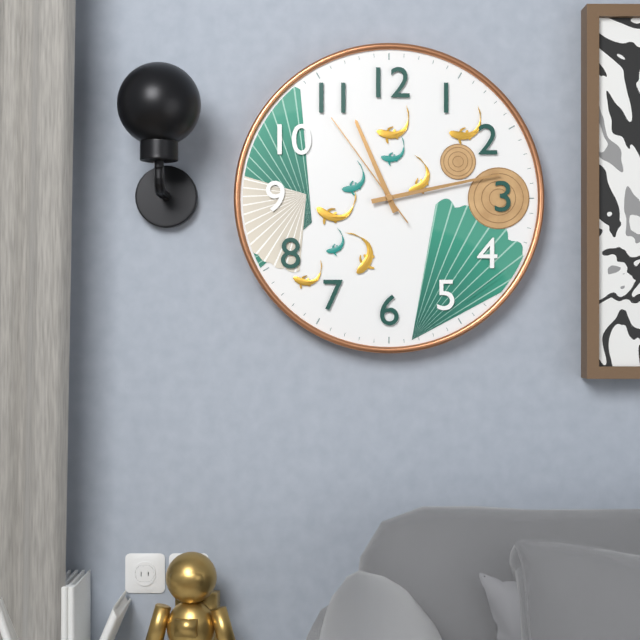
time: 11:13:54
